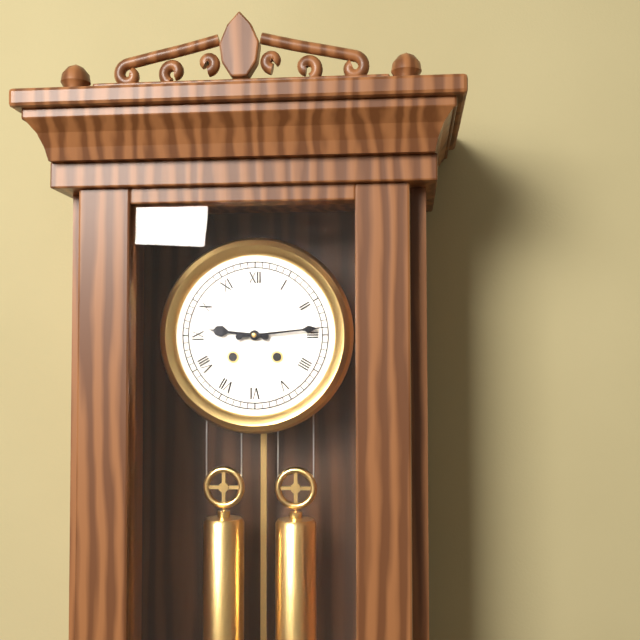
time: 9:14
